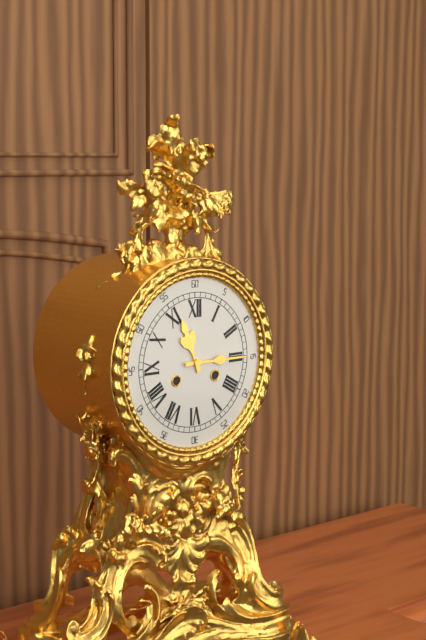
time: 11:15
